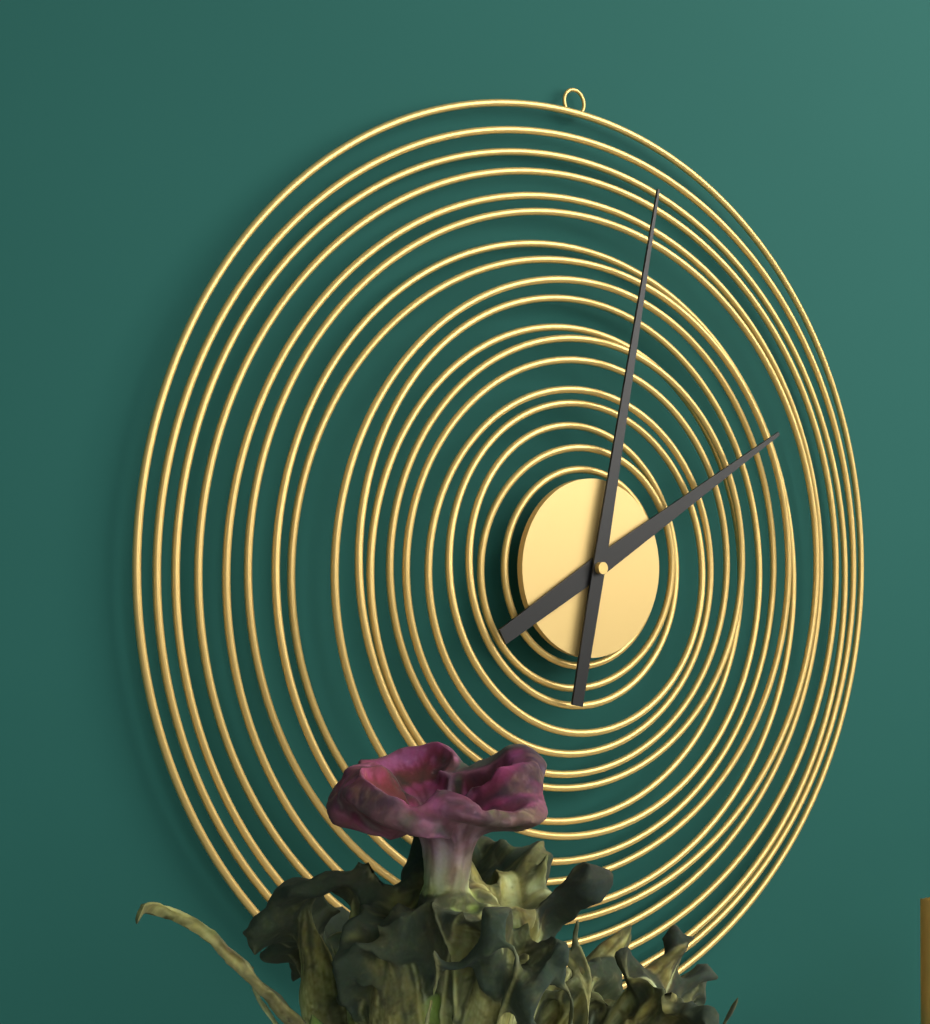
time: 2:02
